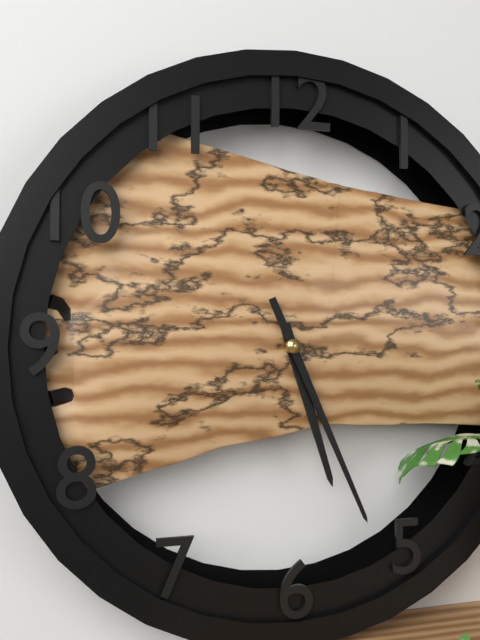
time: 5:26
